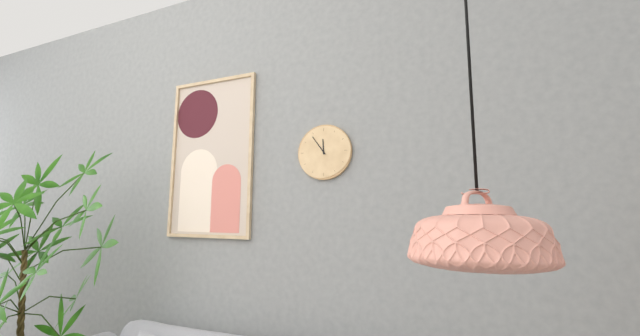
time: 11:54
